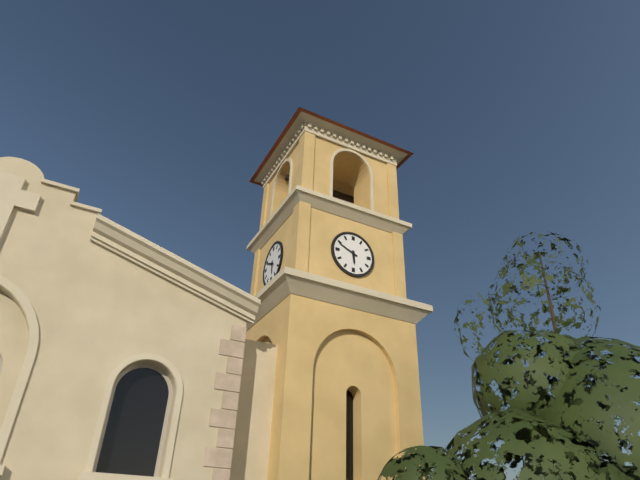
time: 5:49
